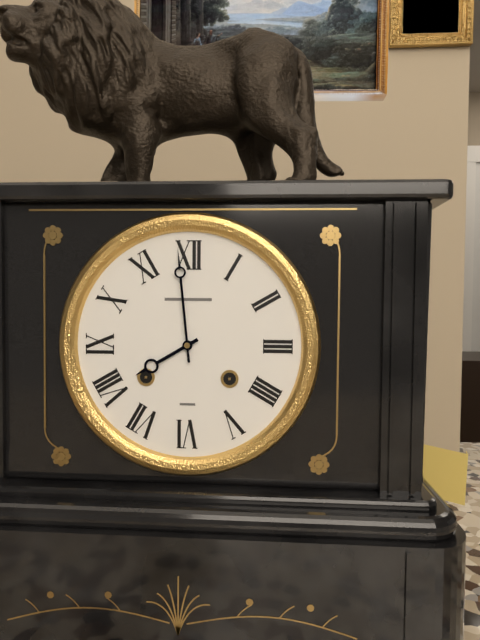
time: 7:59
